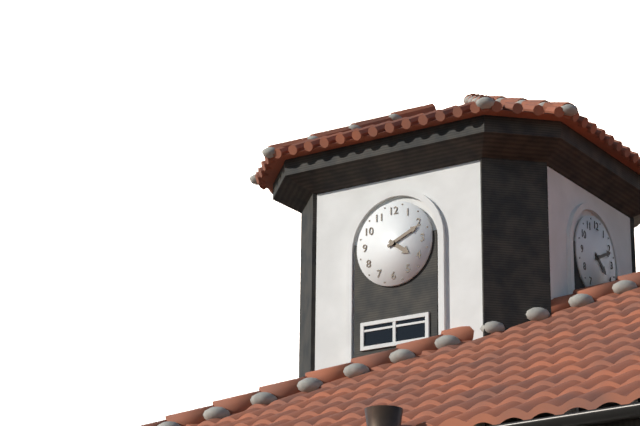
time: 4:11
